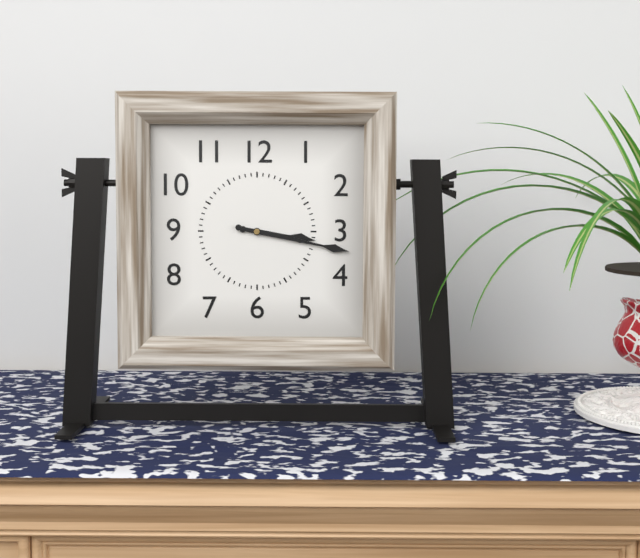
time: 3:17
